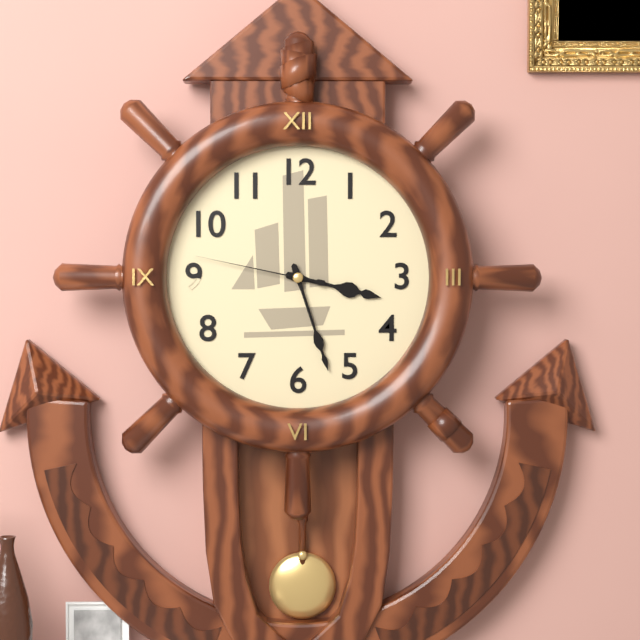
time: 3:27:47
